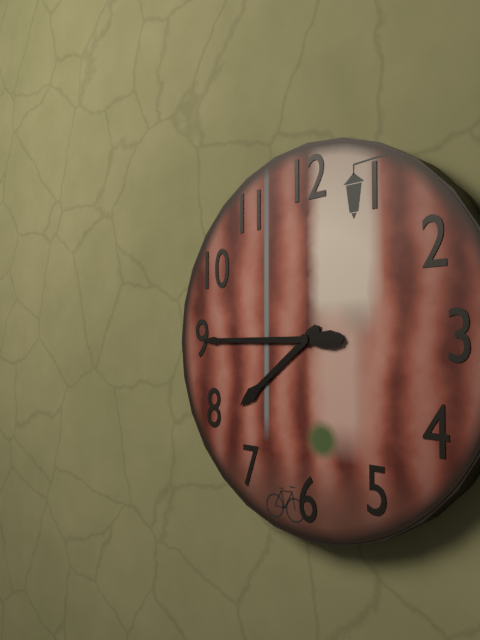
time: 7:45
